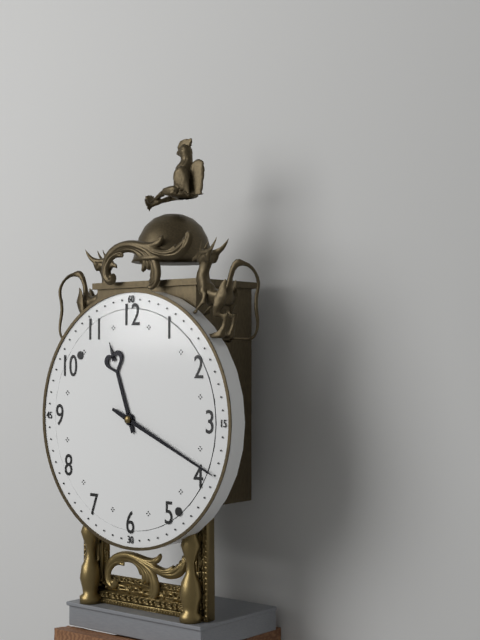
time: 11:19
